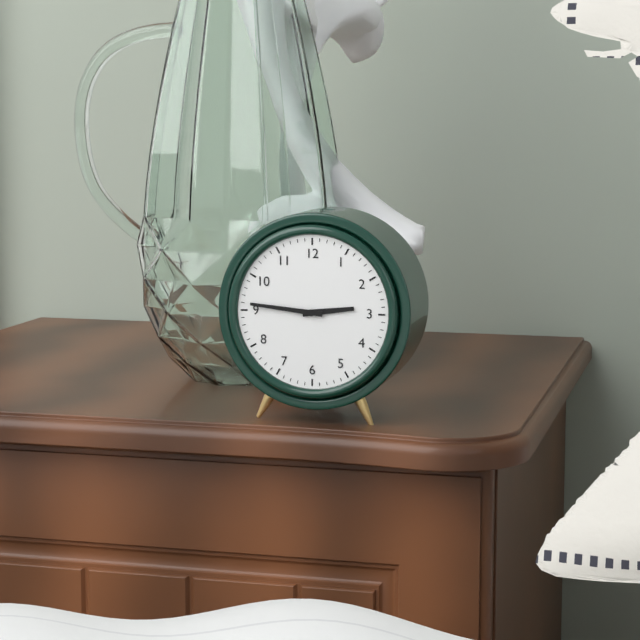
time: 2:46
